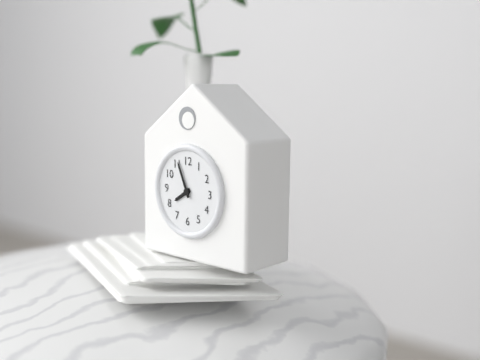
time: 7:56
